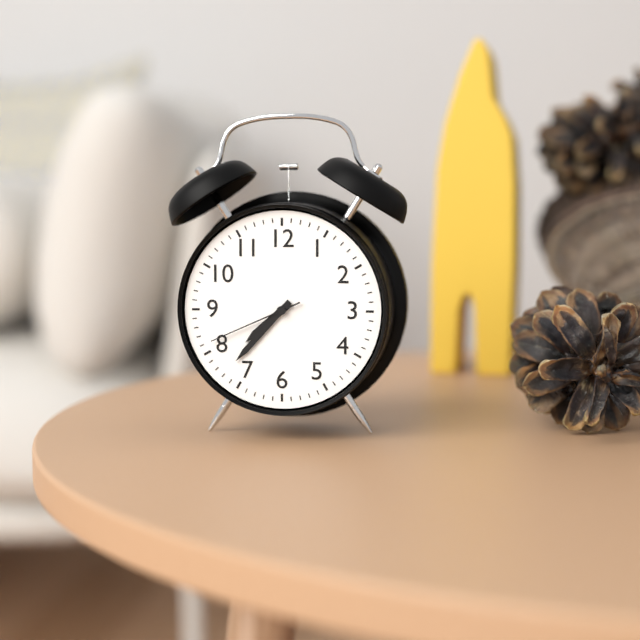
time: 7:37:41
